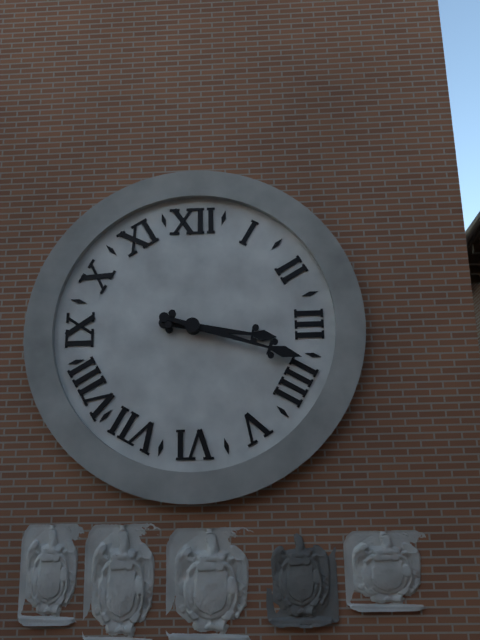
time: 3:18
